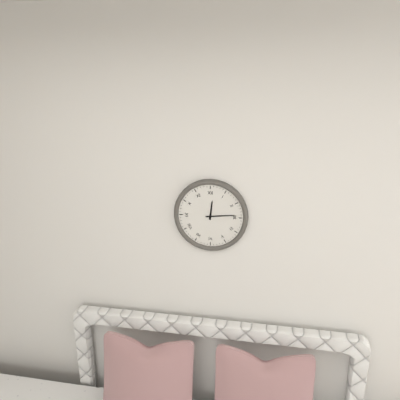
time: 12:14
